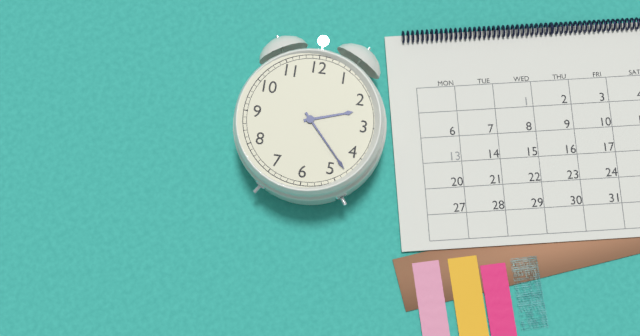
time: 2:23
